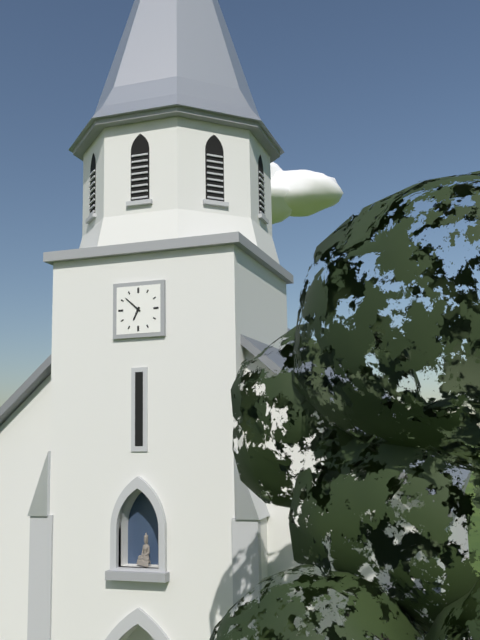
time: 6:52
